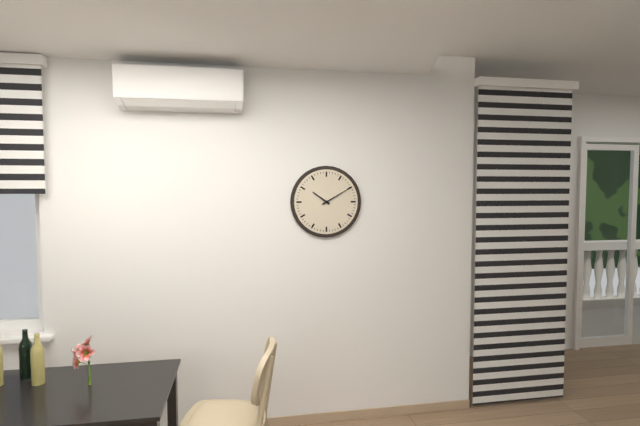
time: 10:10
